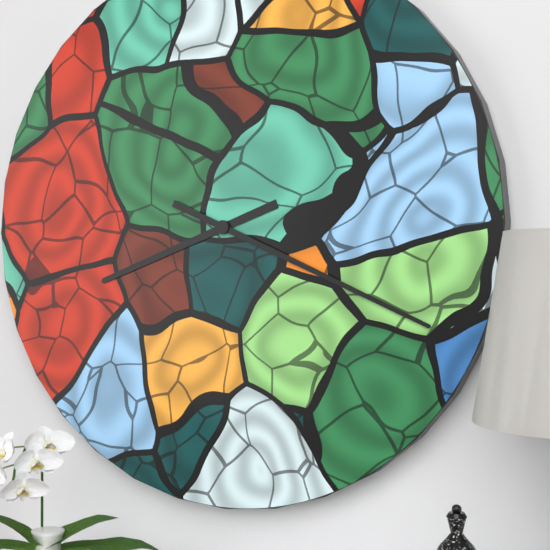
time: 8:19
